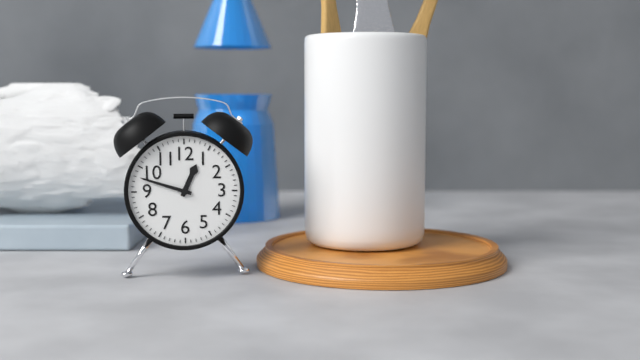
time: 12:48
